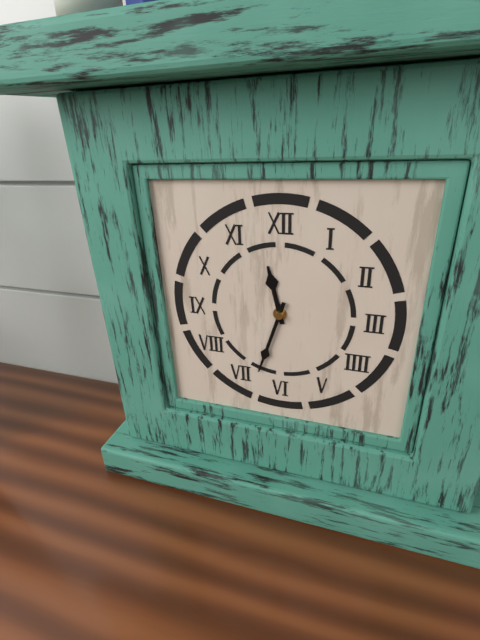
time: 11:33
